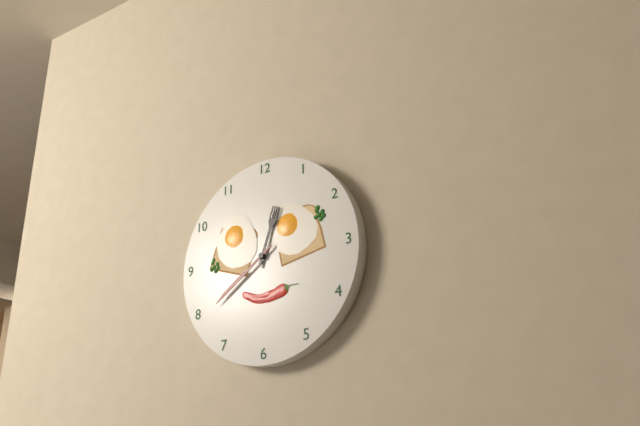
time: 12:39
